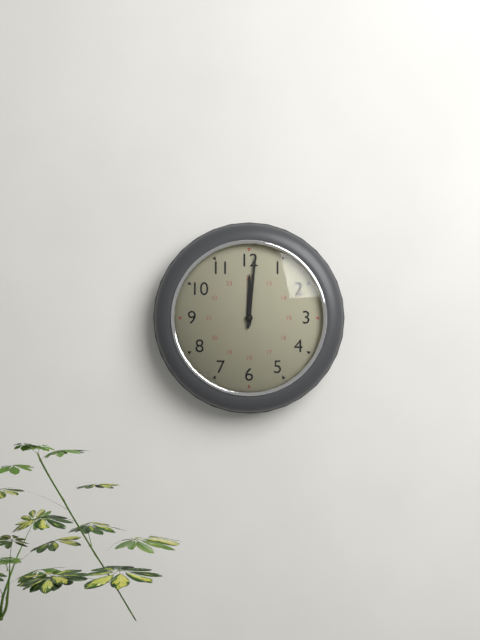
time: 12:01
